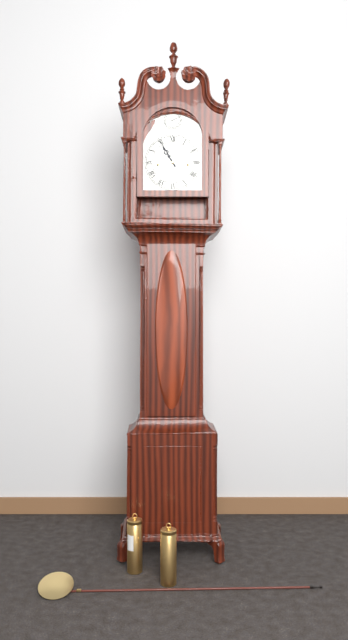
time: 10:55
